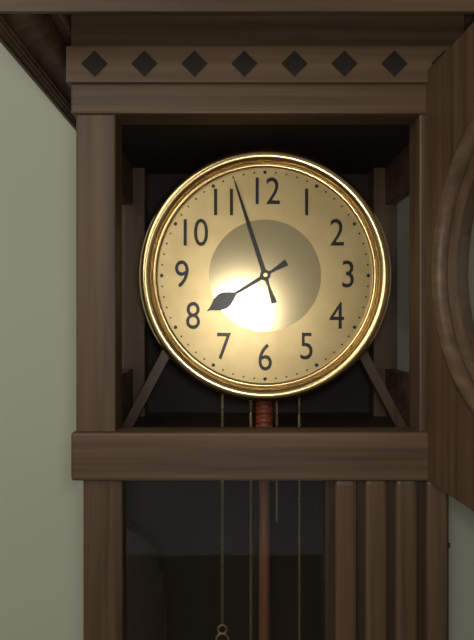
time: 7:57
